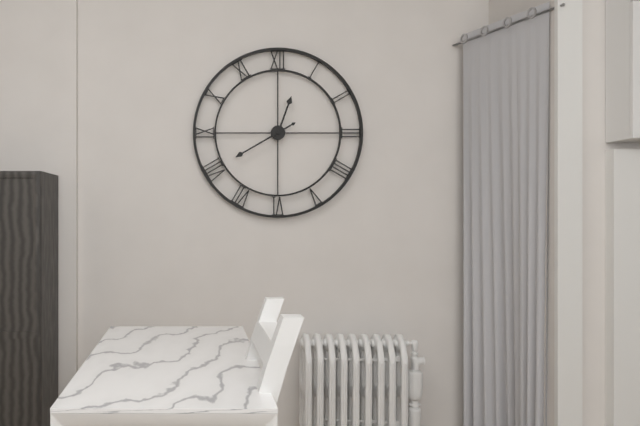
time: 12:40
